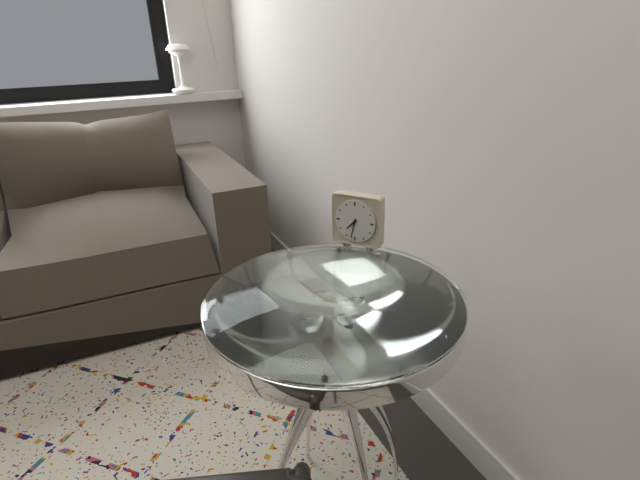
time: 7:32
